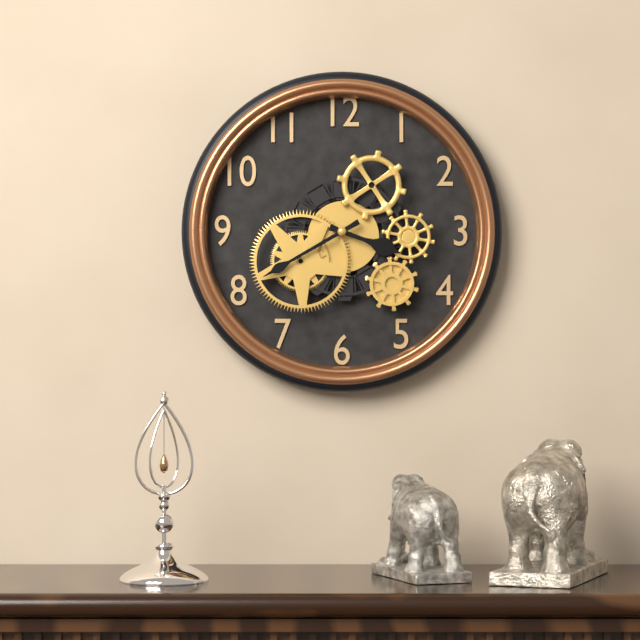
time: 3:40
